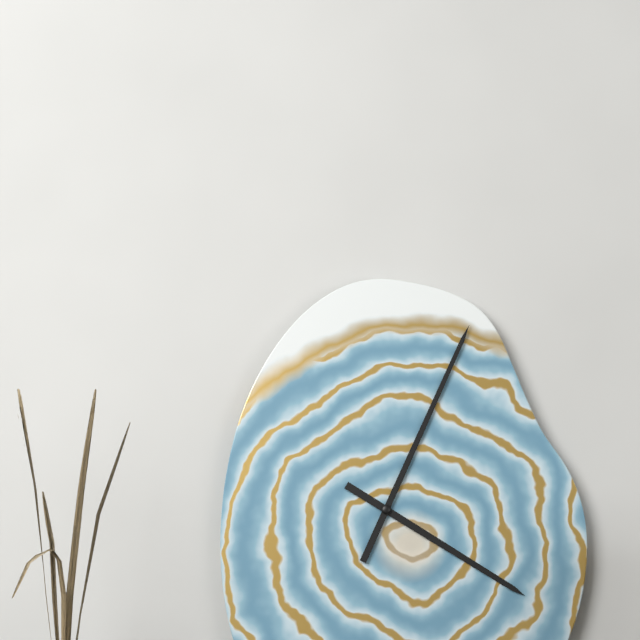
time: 4:04
